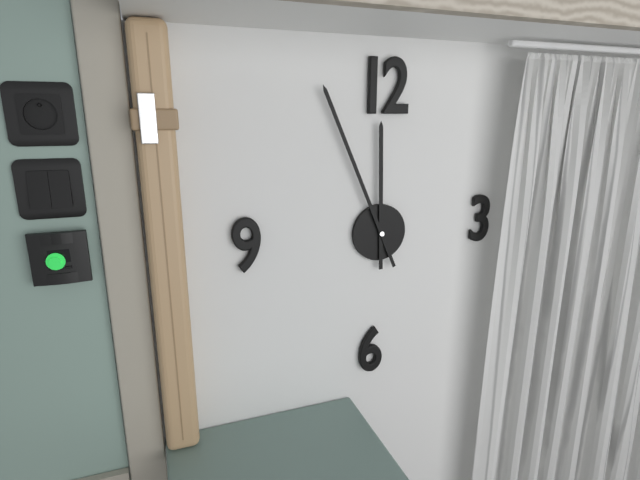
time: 11:56
